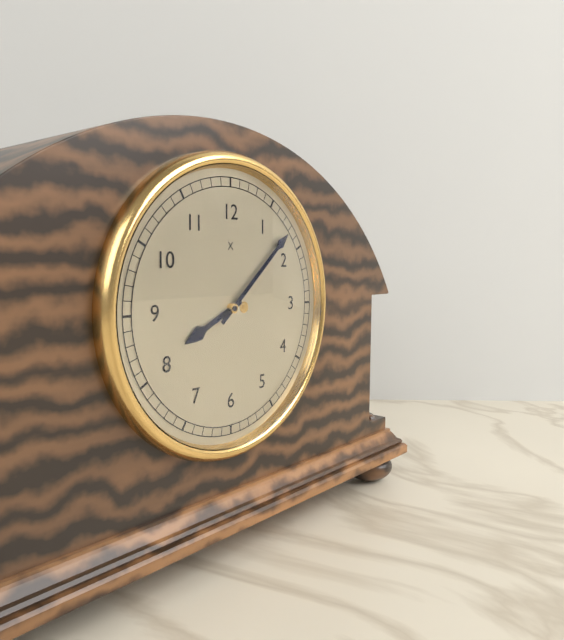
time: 8:08
